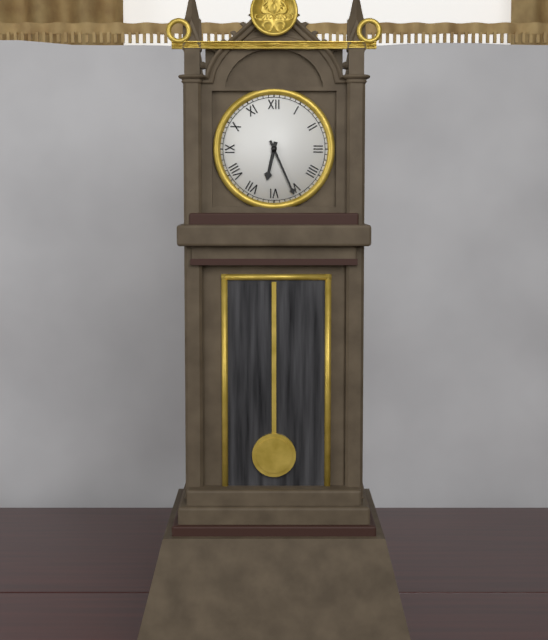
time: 6:26
